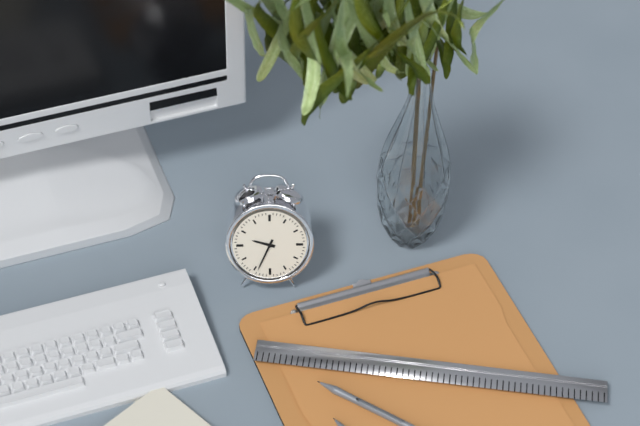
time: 9:34
